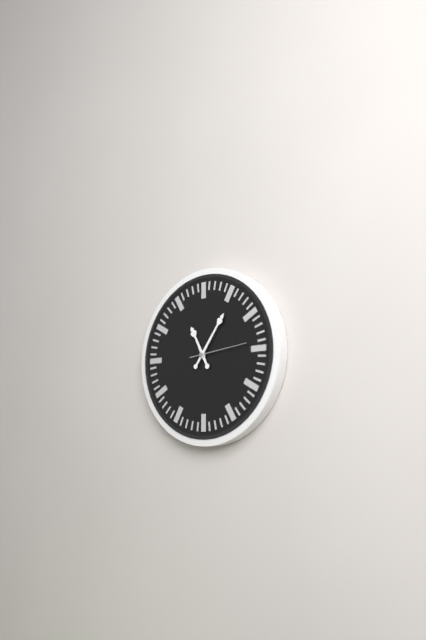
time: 11:06:14
